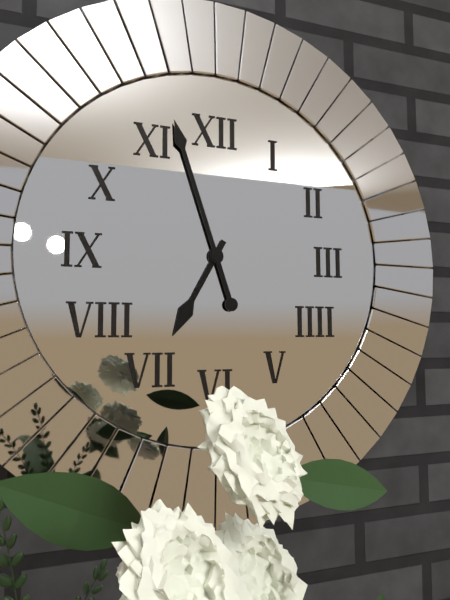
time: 6:57
